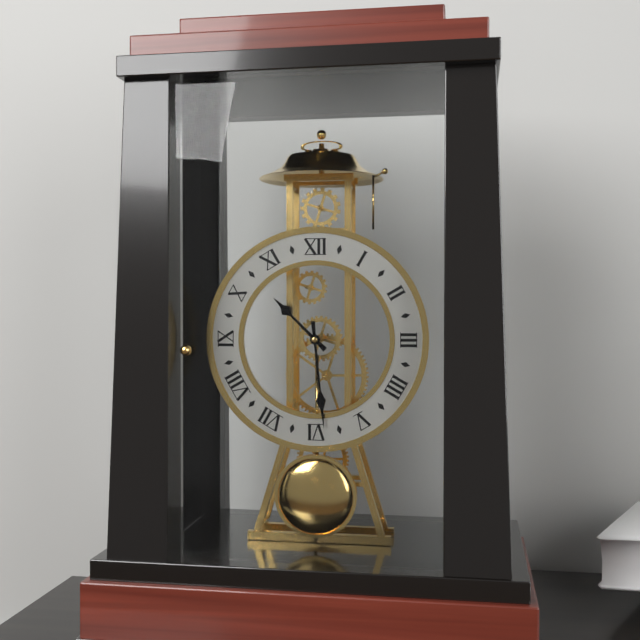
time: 10:29
